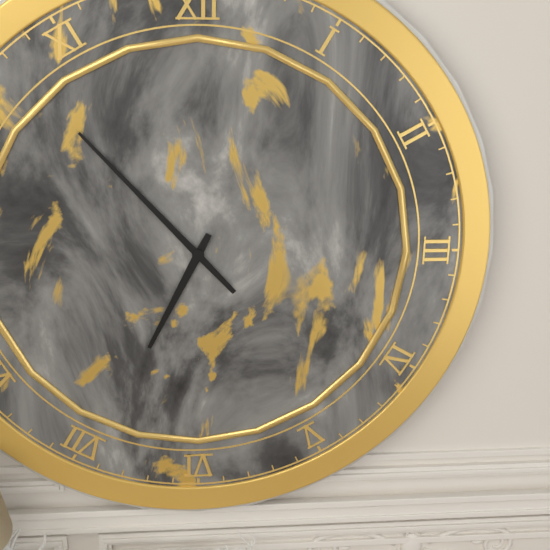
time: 6:53
